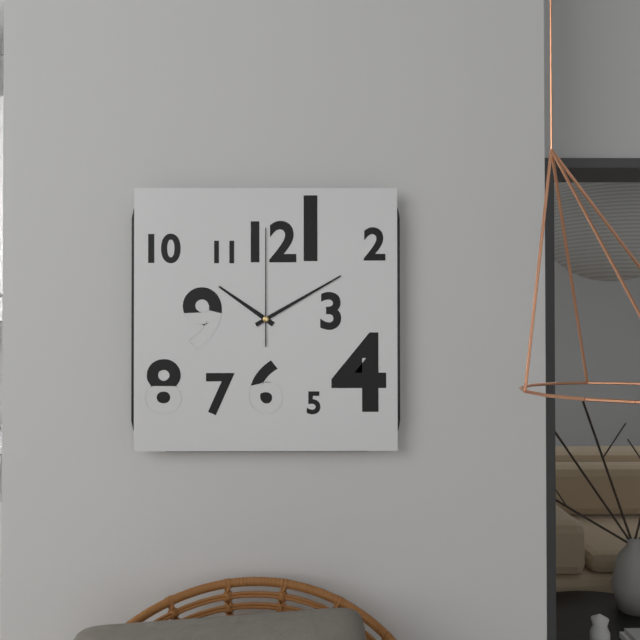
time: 10:10:00
